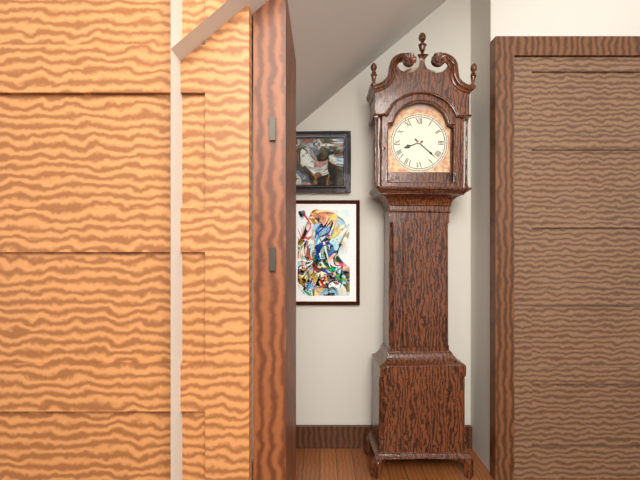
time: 8:22
